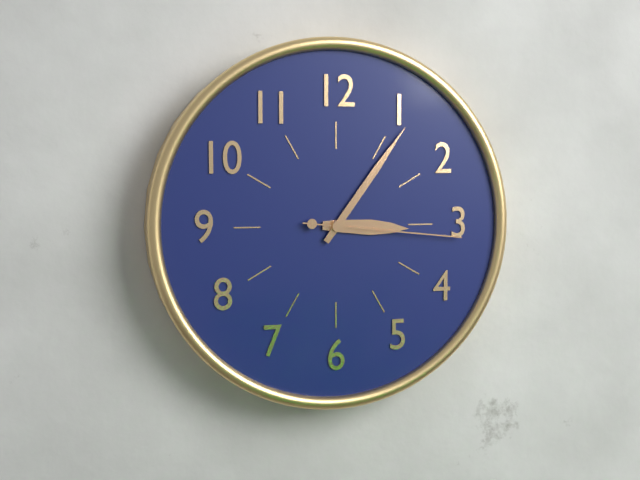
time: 3:06:16
